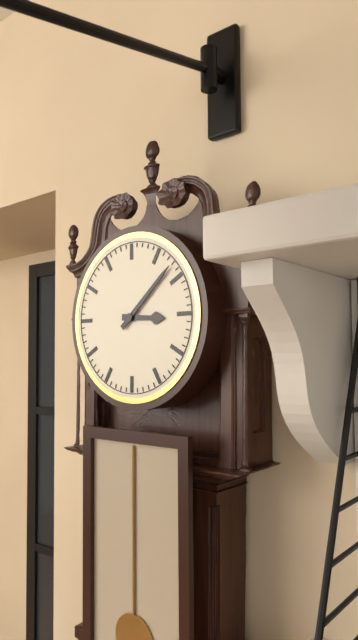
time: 3:08
